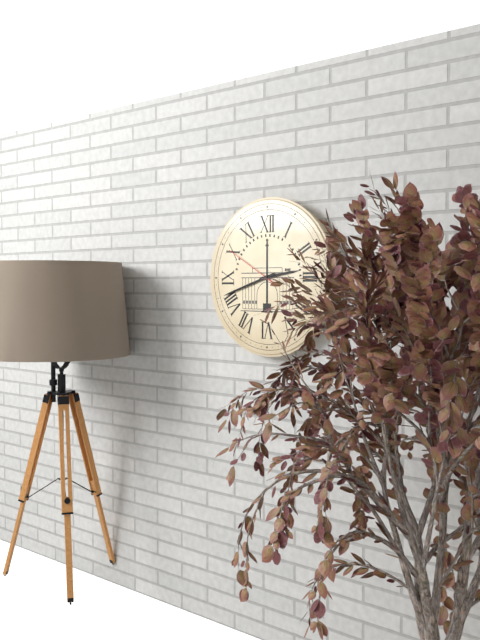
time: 2:42:50
